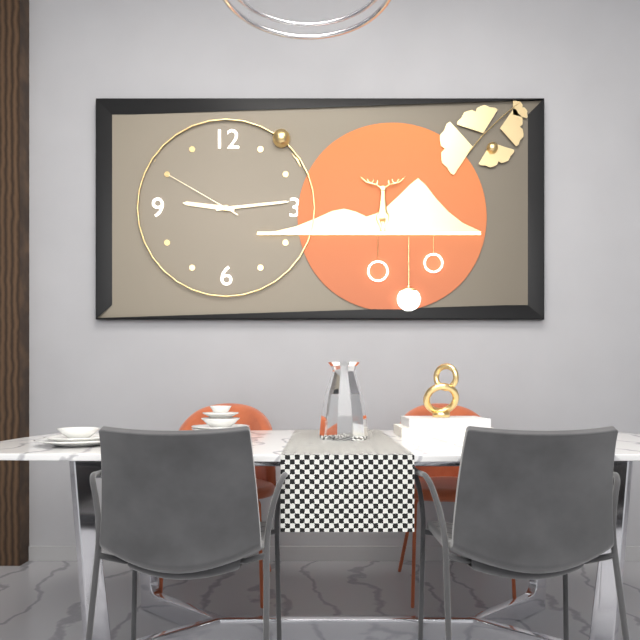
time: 9:14:50
